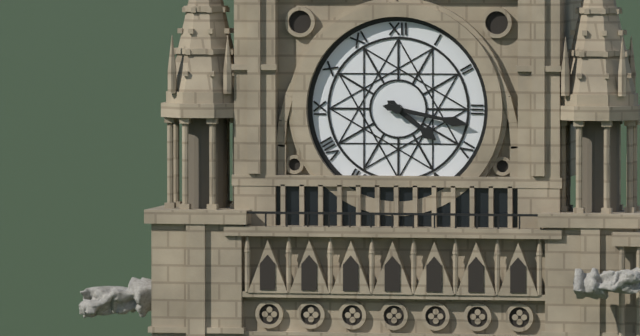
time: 4:17
